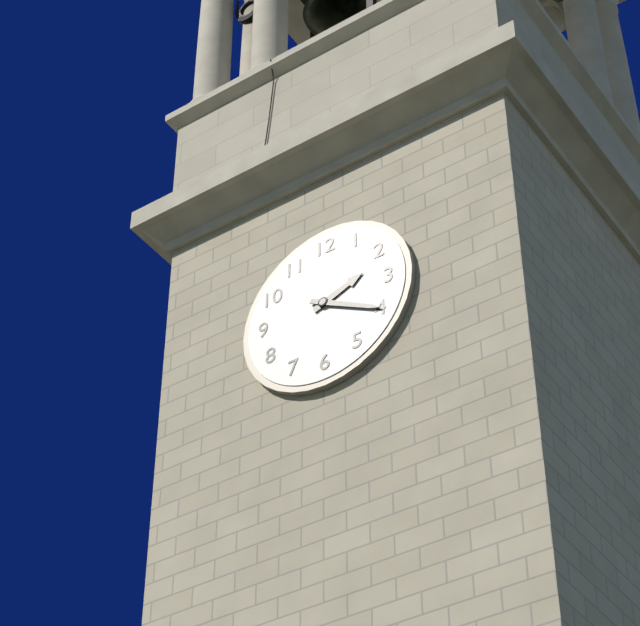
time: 2:20
